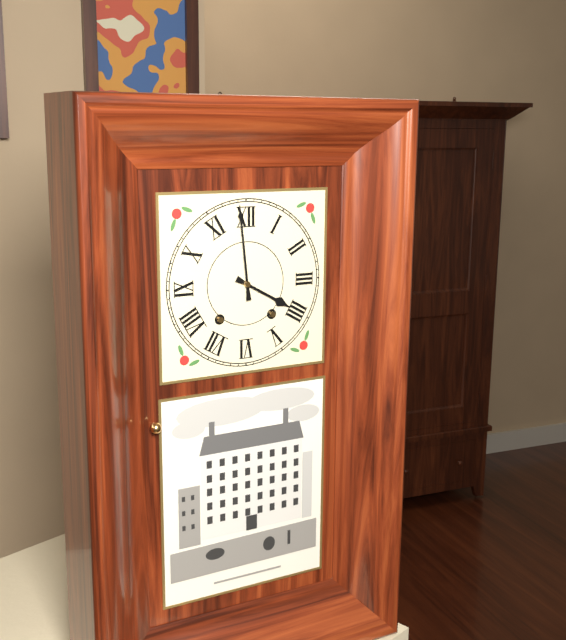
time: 3:59
